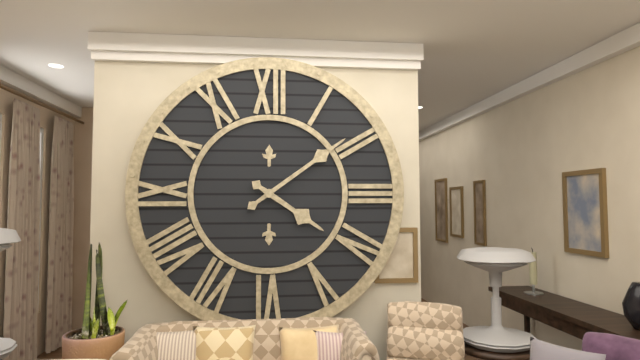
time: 4:09
